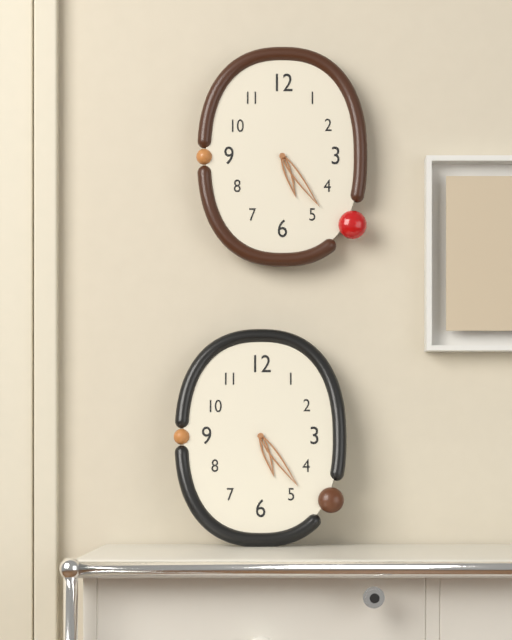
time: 5:24
